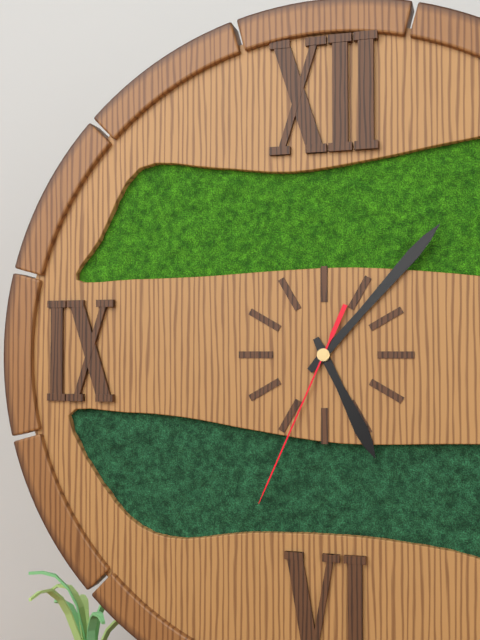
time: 5:07:34
